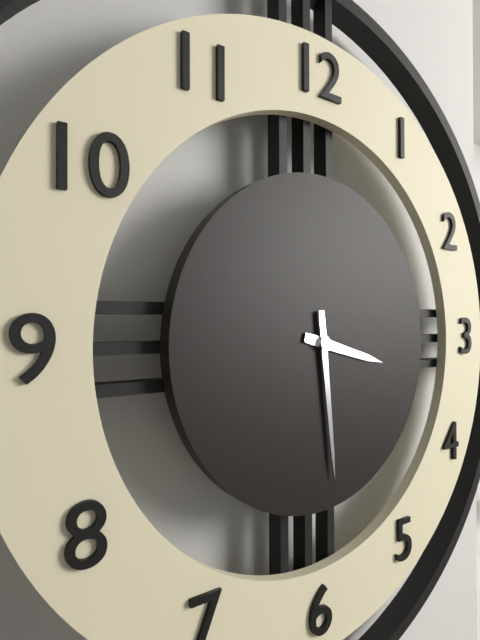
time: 3:29
